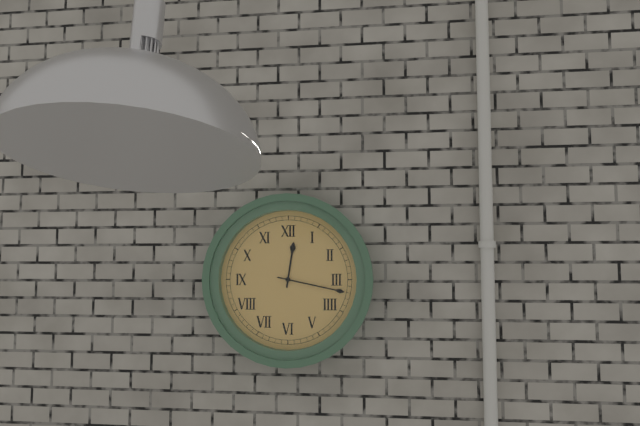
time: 12:17
